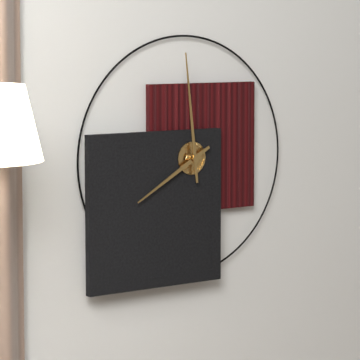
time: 7:59
